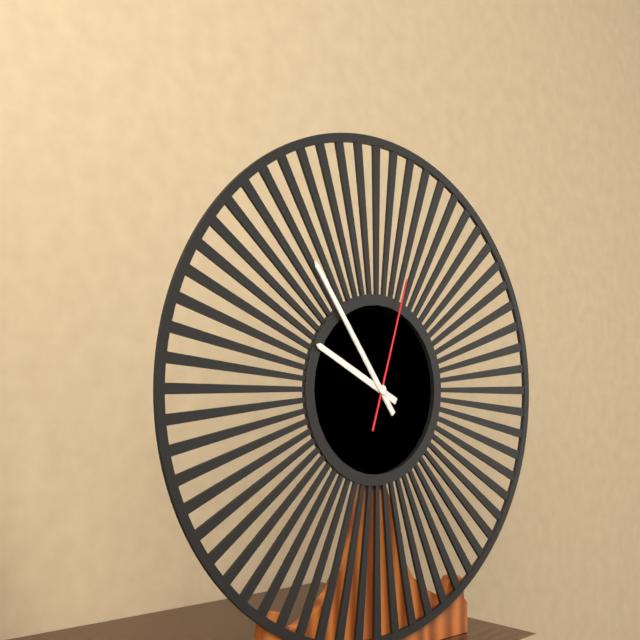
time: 9:54:03
